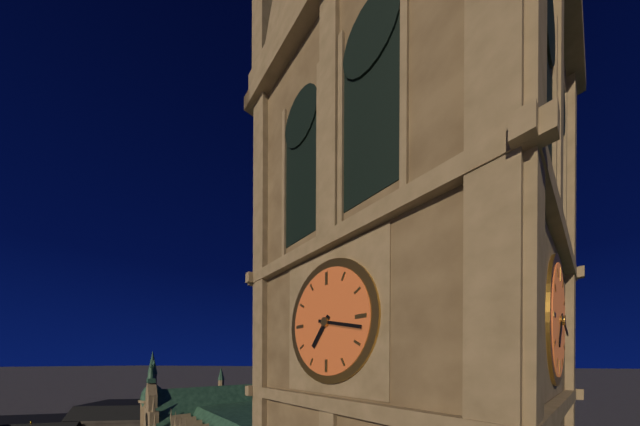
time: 7:17
